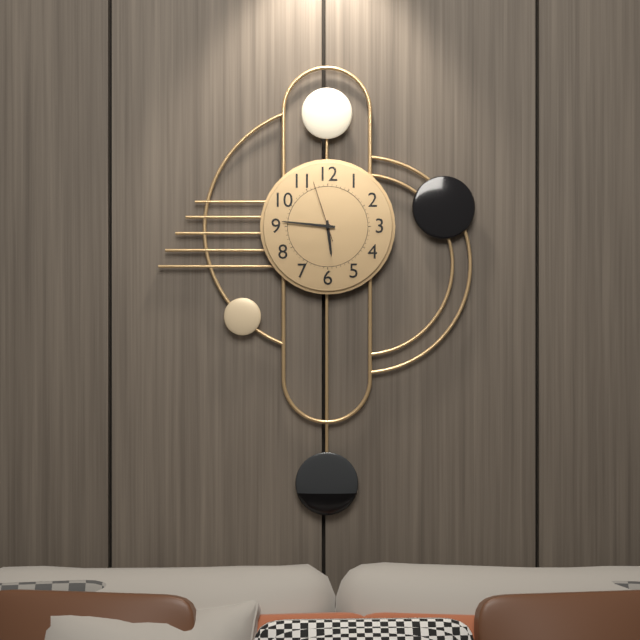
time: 5:46:57
